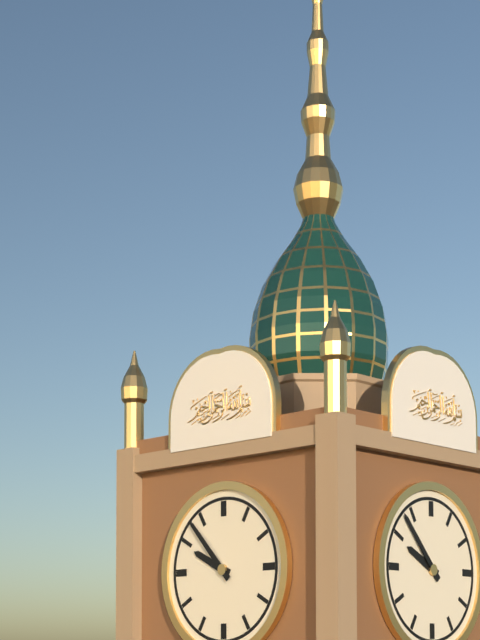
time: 9:53
